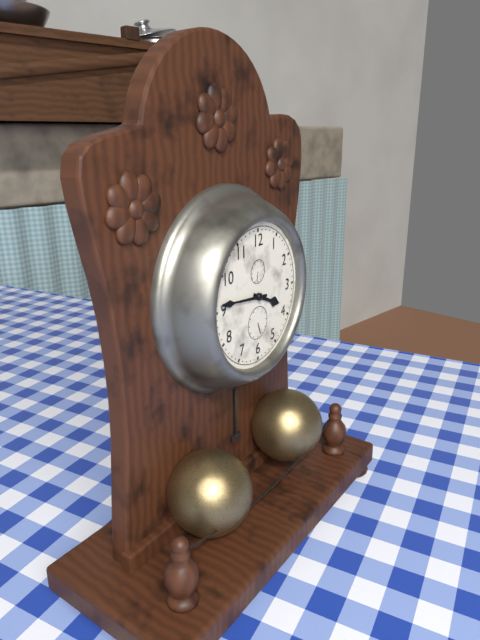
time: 3:46
